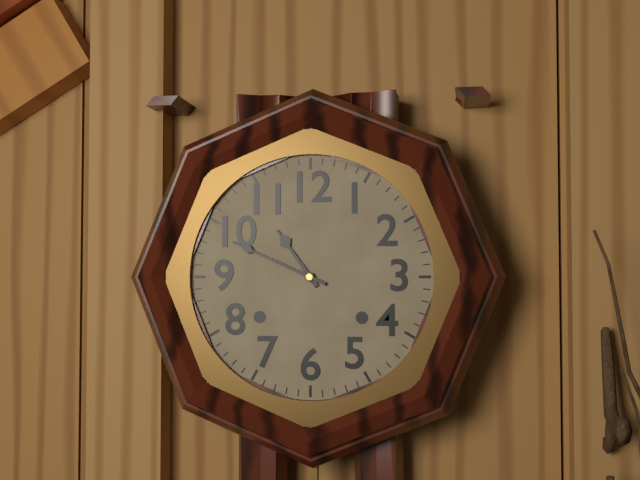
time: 10:49
